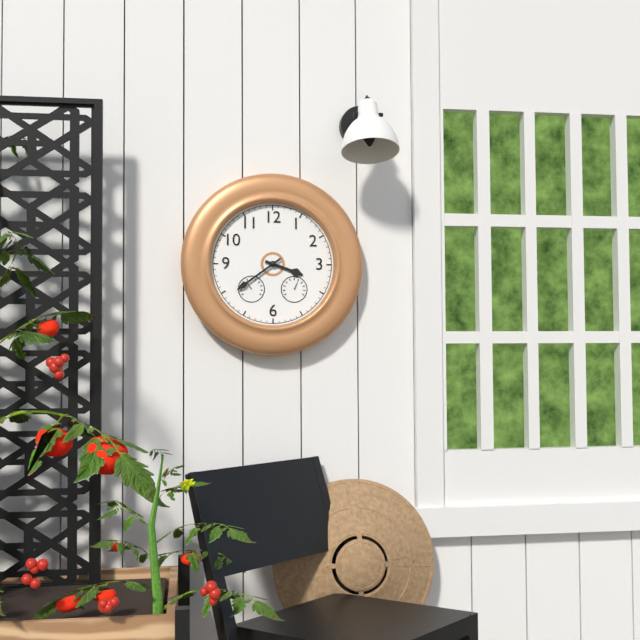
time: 3:39
